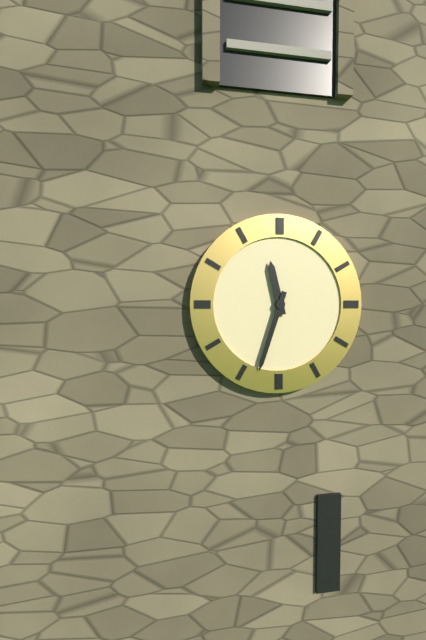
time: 11:33
